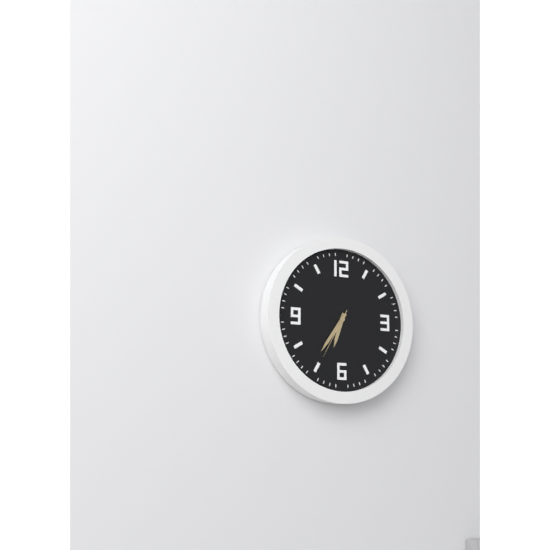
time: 6:36:35
